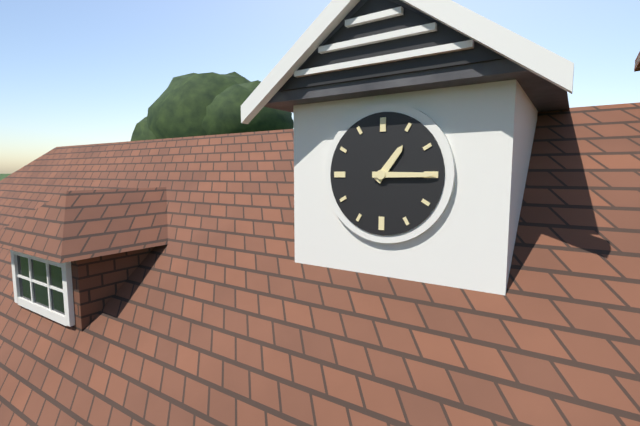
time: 1:15
